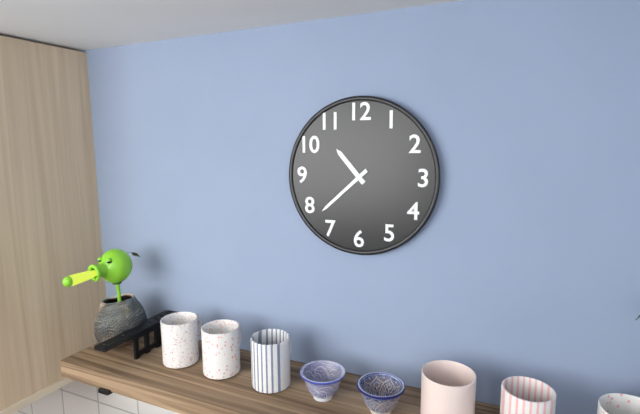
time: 10:38
